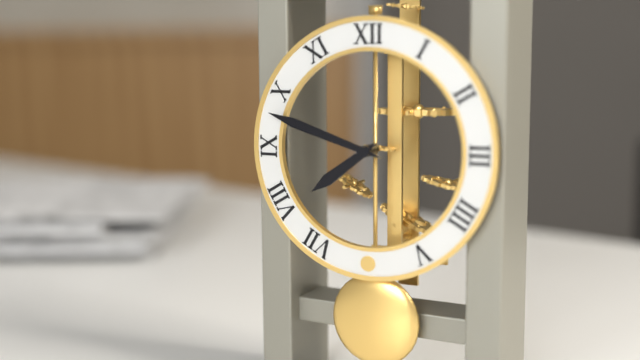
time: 7:48
